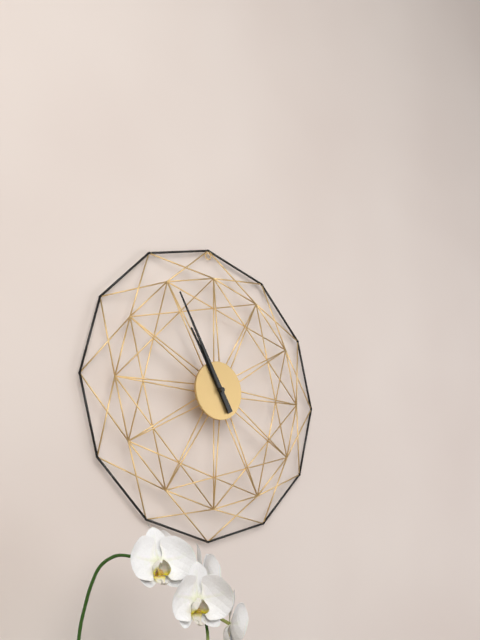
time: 10:55
